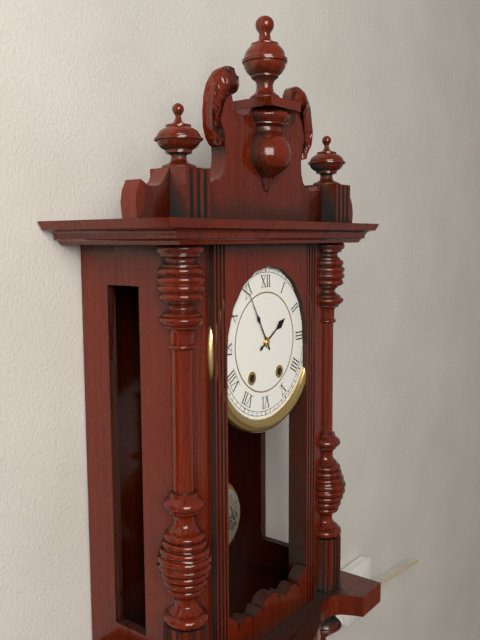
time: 1:55
